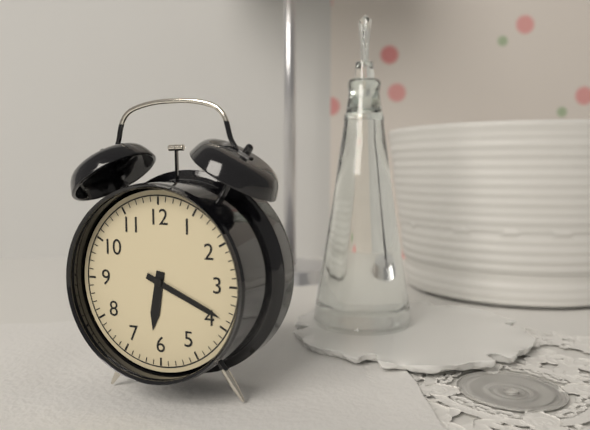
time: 6:19
